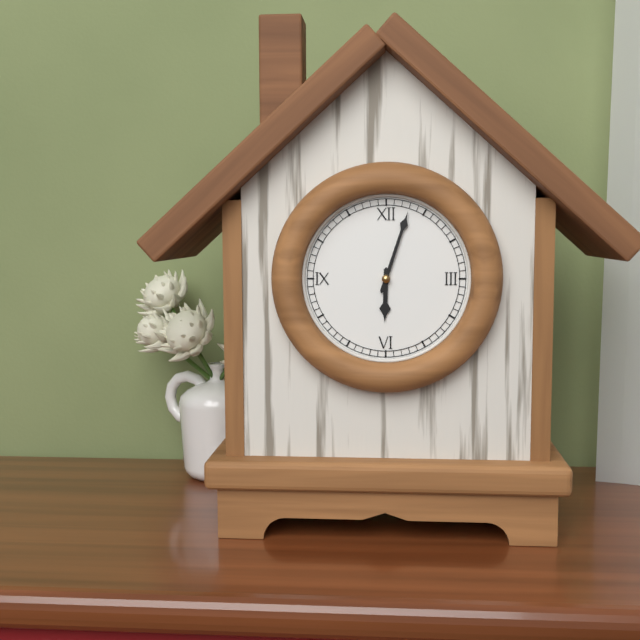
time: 6:03
